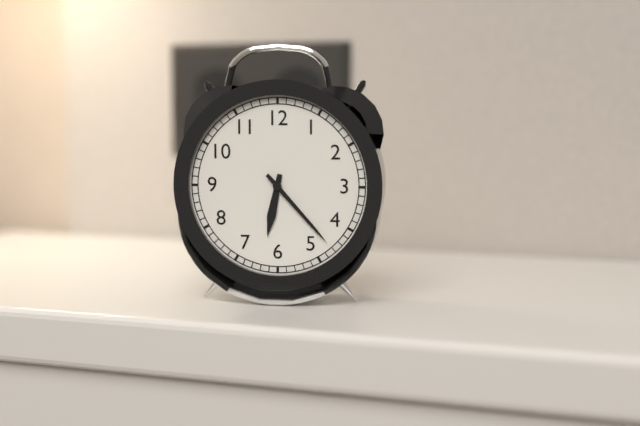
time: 6:23
